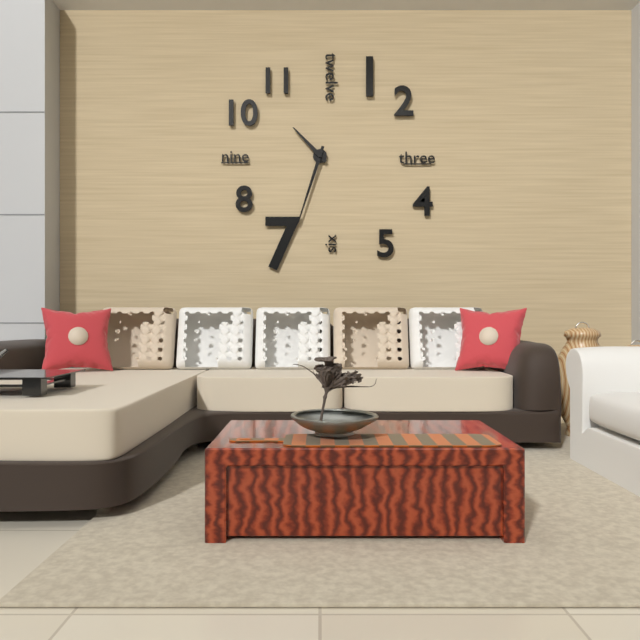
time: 10:33
